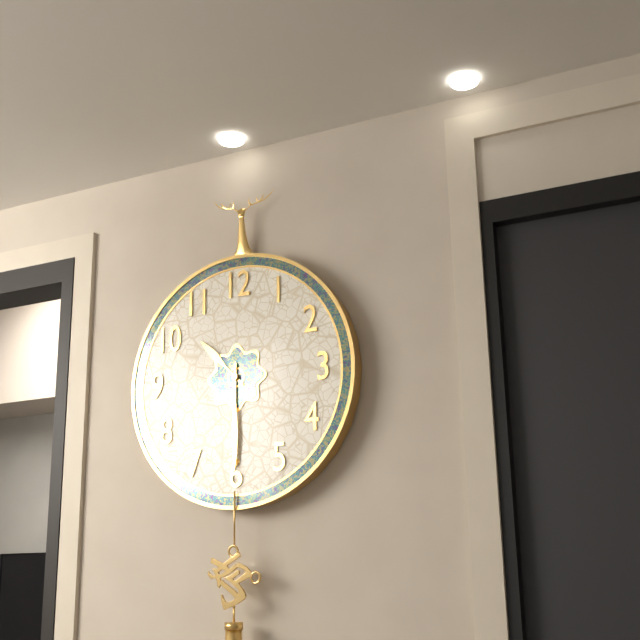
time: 10:30
